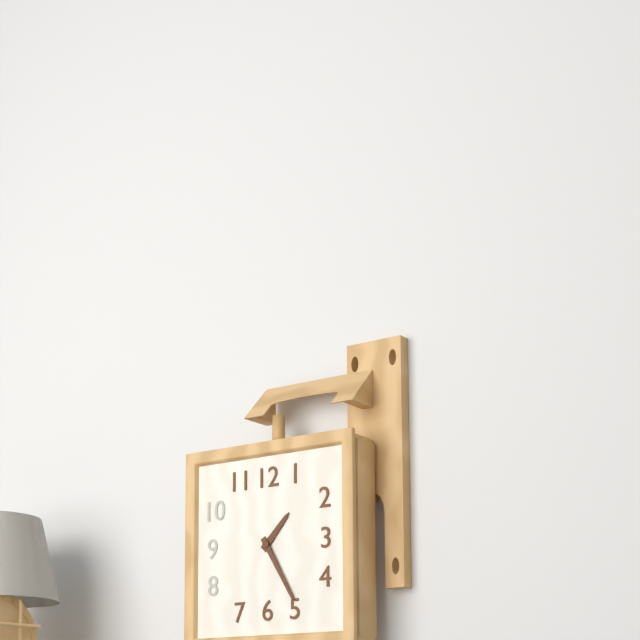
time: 1:25
